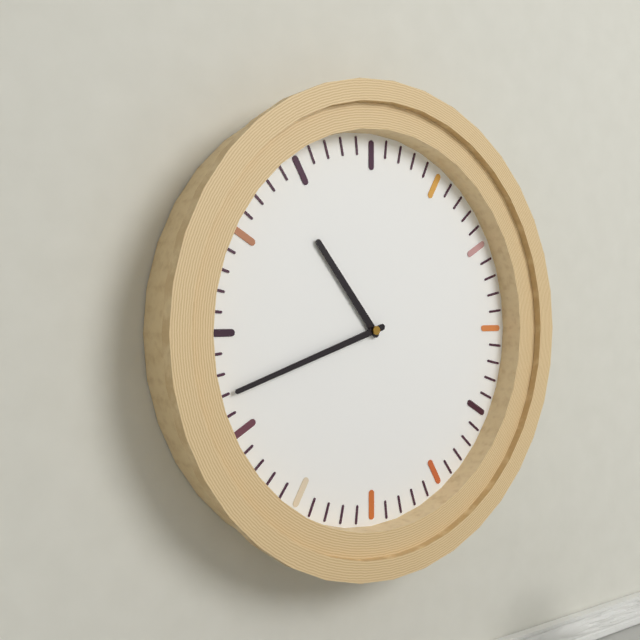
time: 10:42
